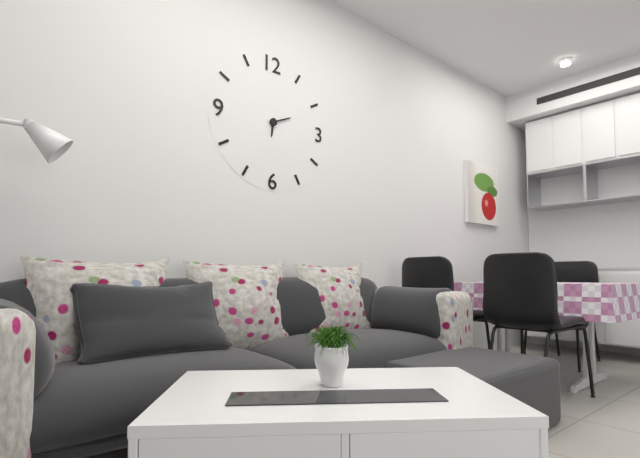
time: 6:11
